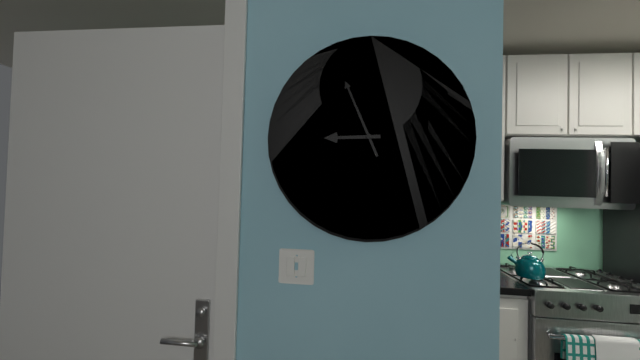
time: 8:56
